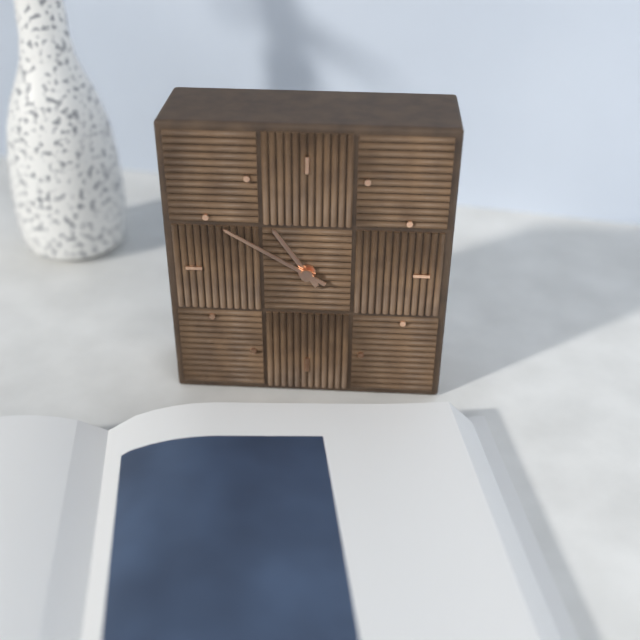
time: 10:50
